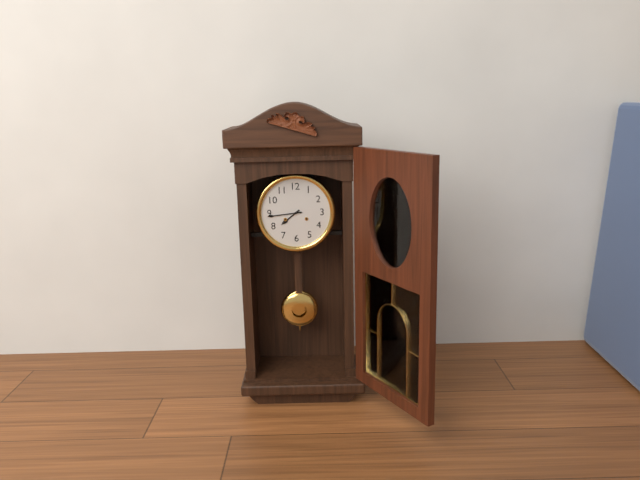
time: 7:44
